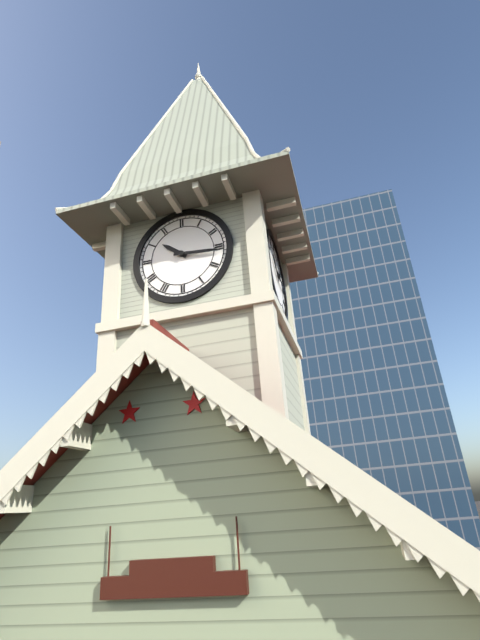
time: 10:16
